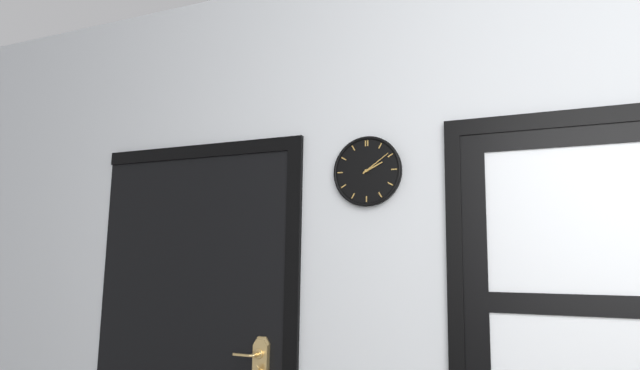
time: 2:09
